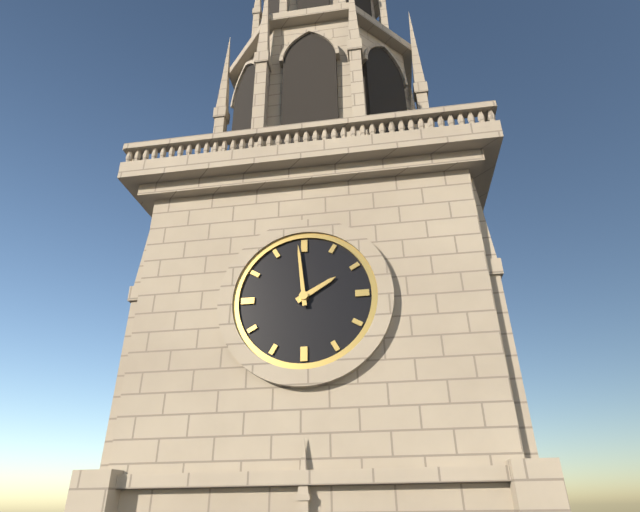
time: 1:59
